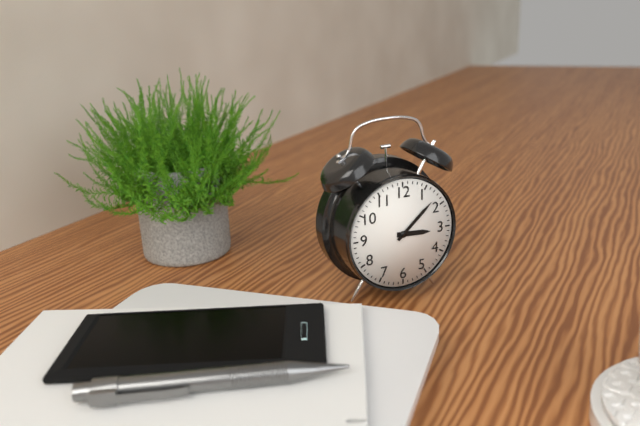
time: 3:08
